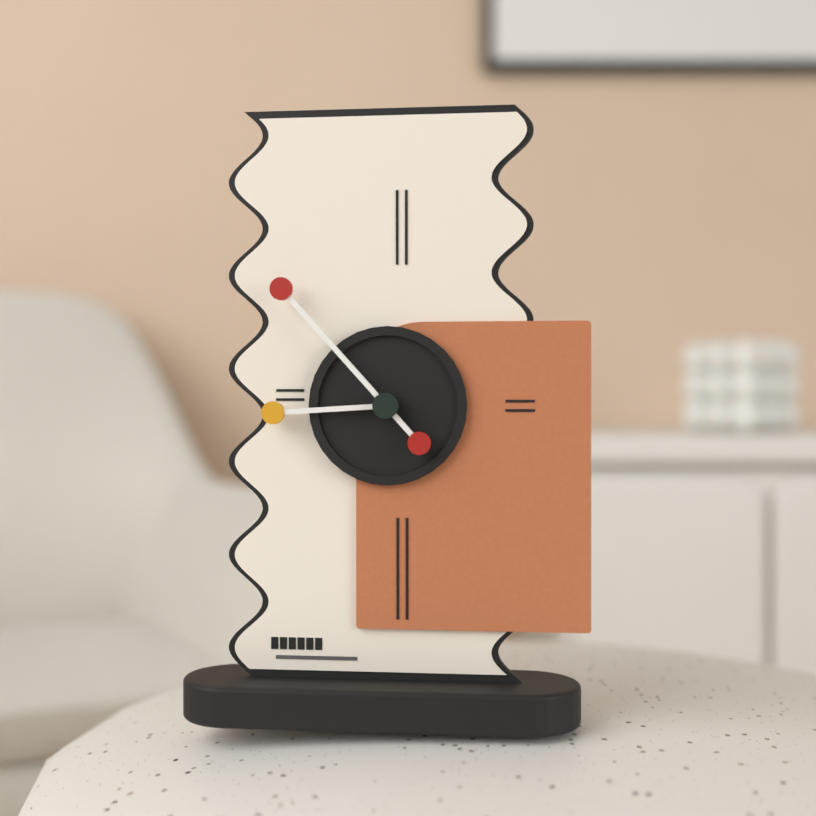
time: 8:53
